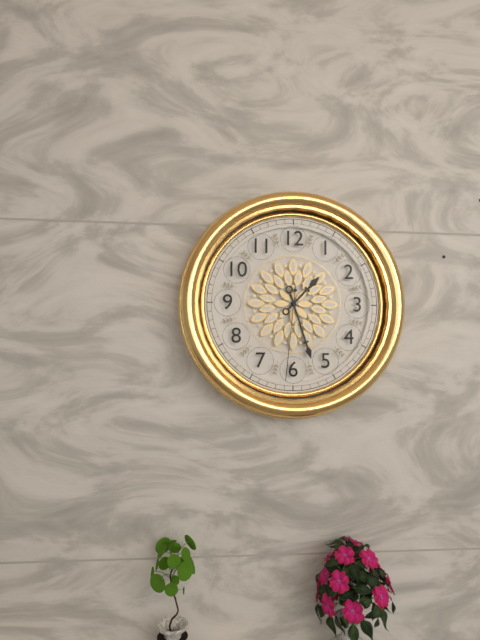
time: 1:27:31
